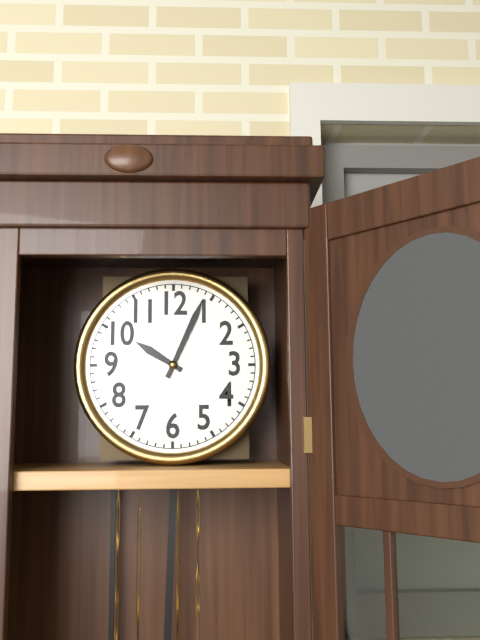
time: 10:04
